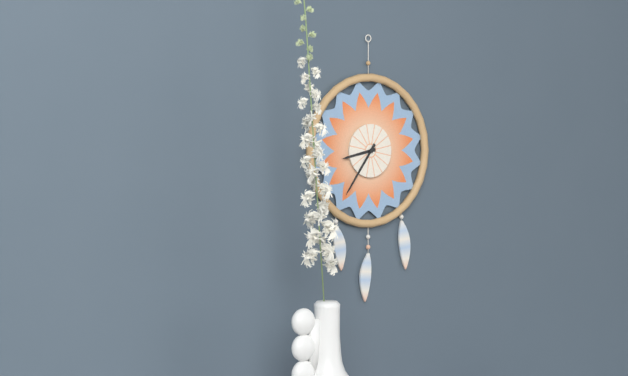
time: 8:36
